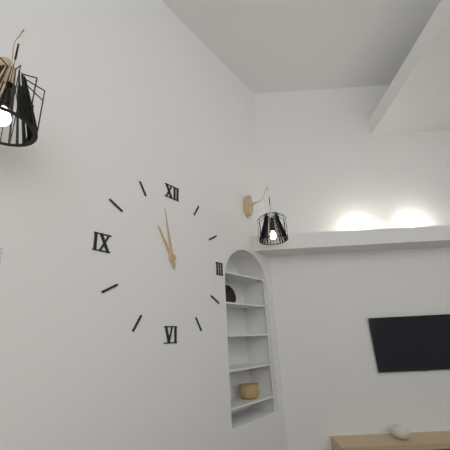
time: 10:58
